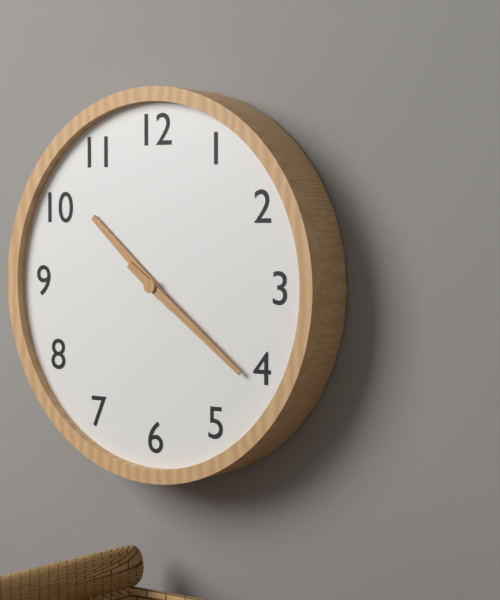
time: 10:21
